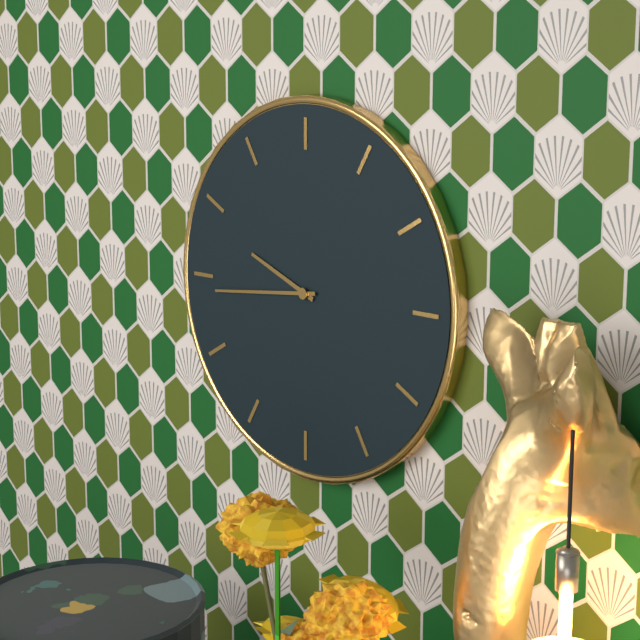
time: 9:44
